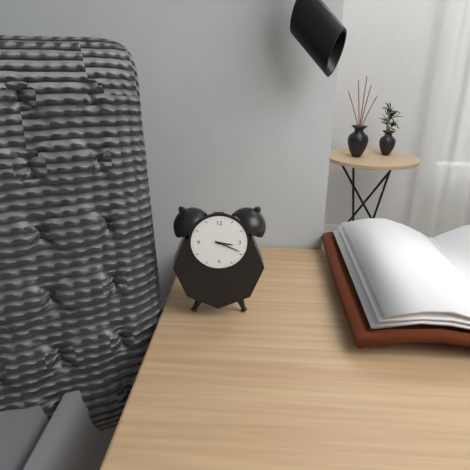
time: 3:19
